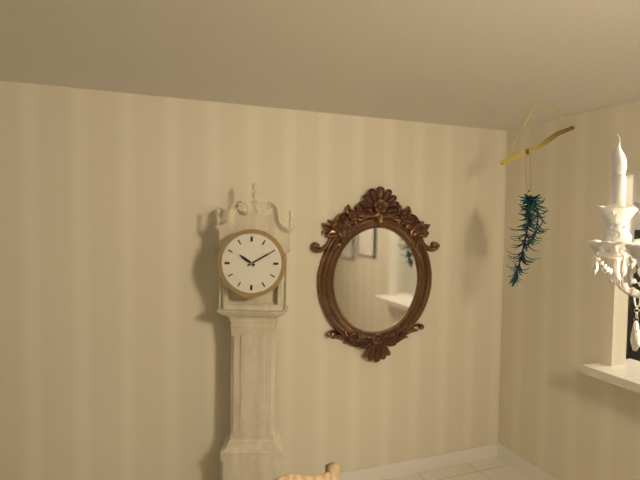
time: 10:10
